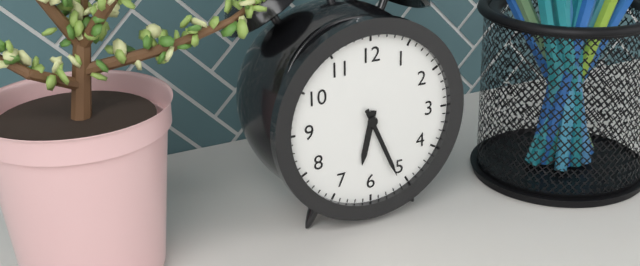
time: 6:26
